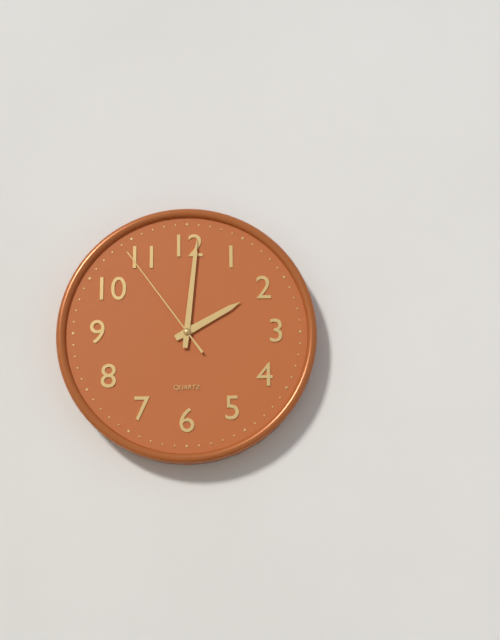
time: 2:01:54
